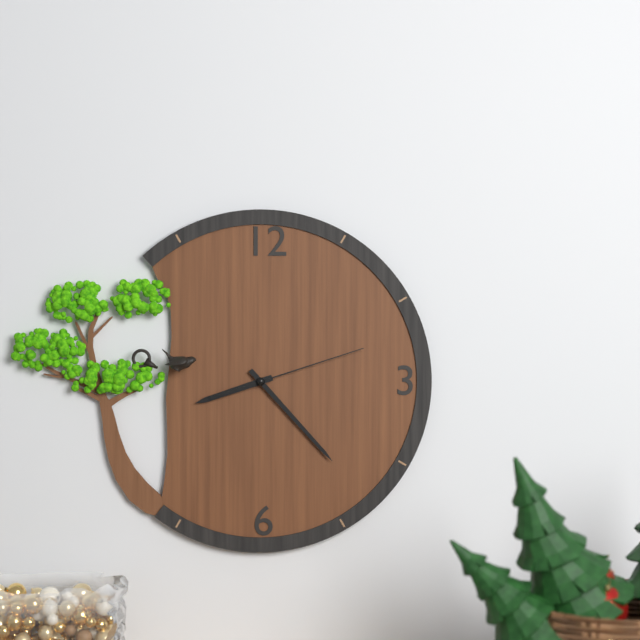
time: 8:23:12
